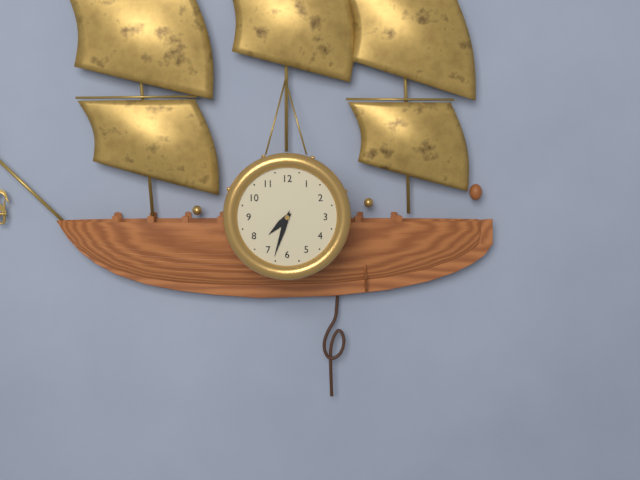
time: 7:33
